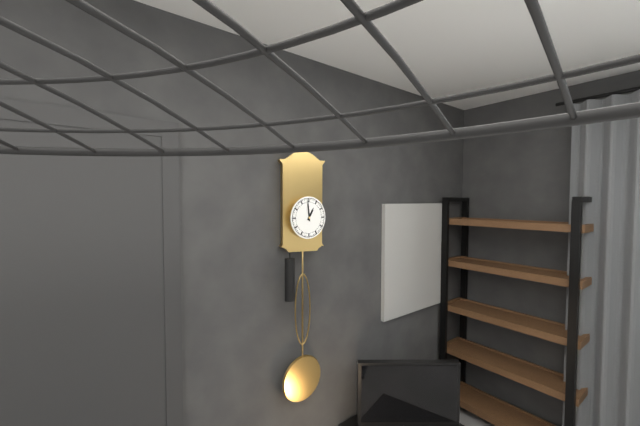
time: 12:59
